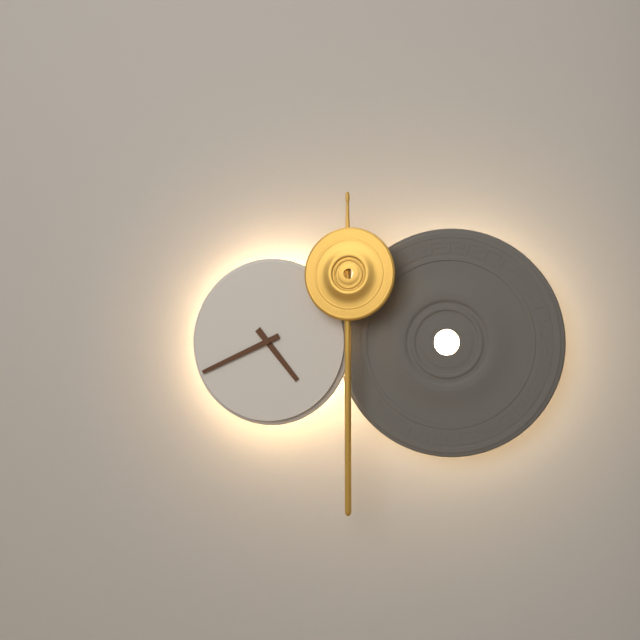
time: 4:41
